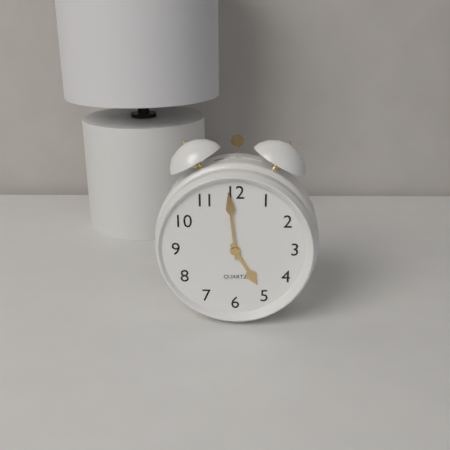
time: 4:59
